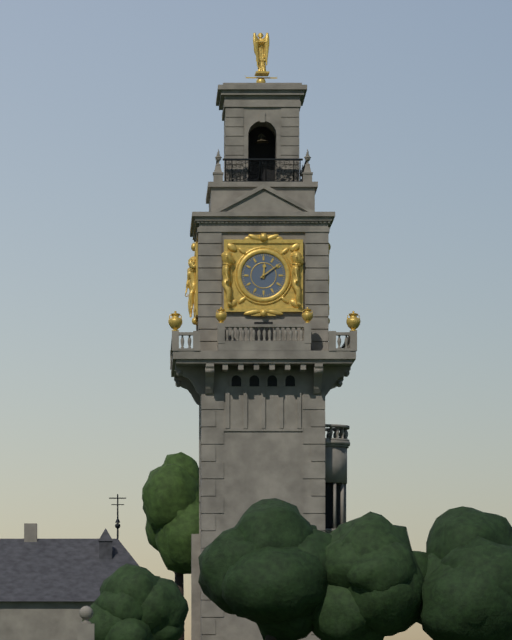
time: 12:09
